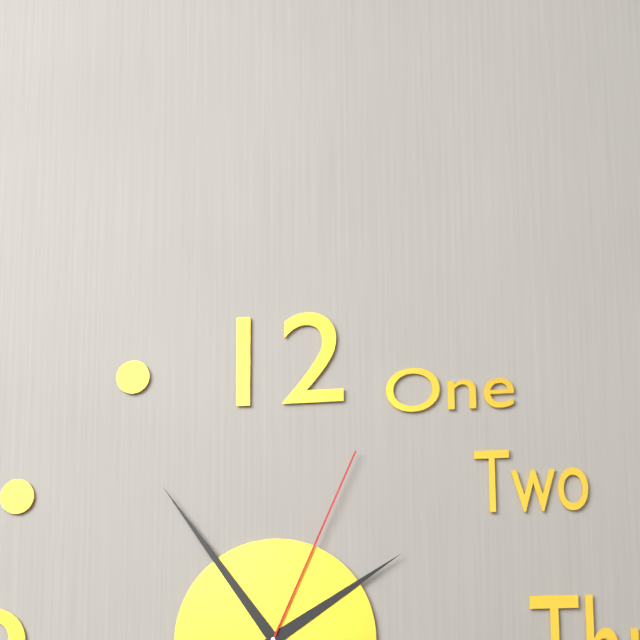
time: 1:54:04
